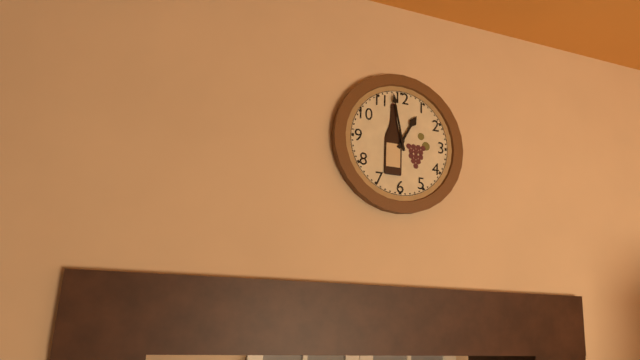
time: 12:58
